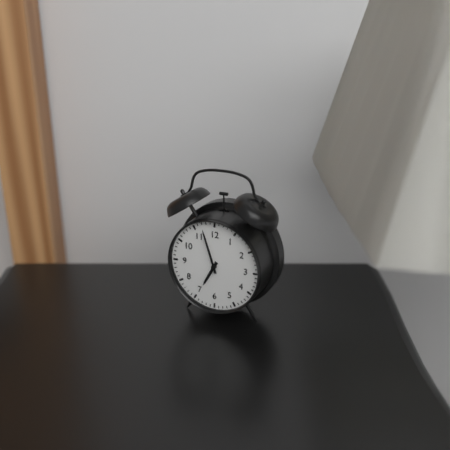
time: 6:57
